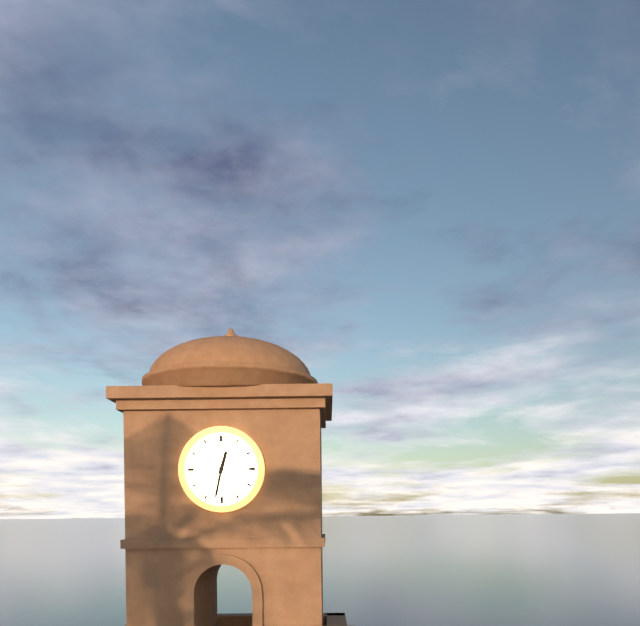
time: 12:32
